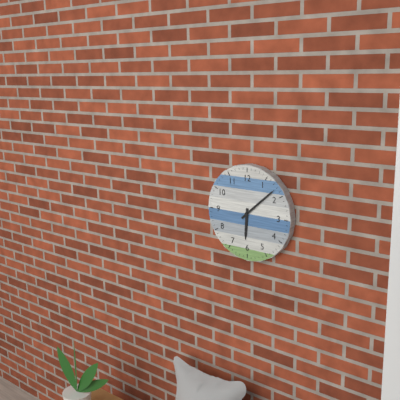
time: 6:08
